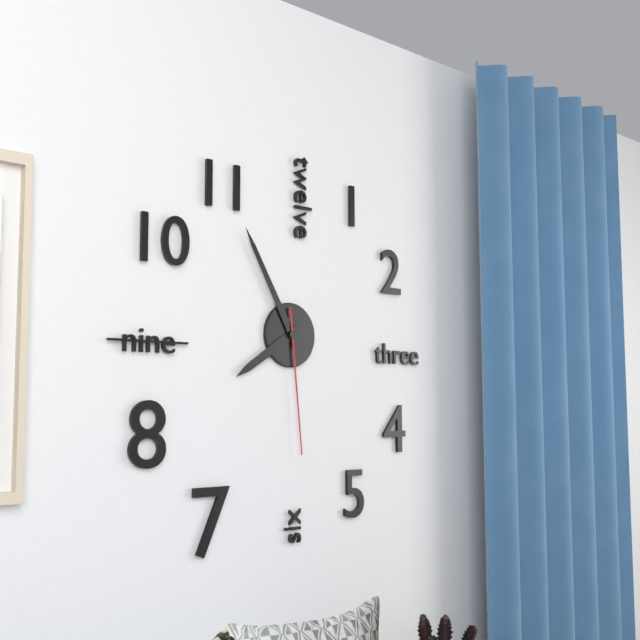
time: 7:55:29
